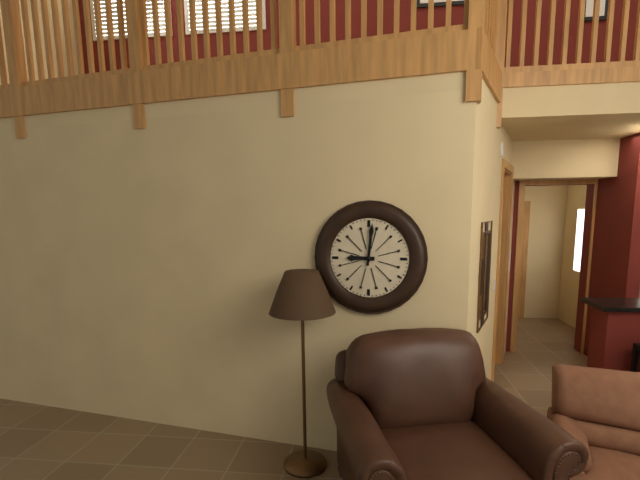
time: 9:01
